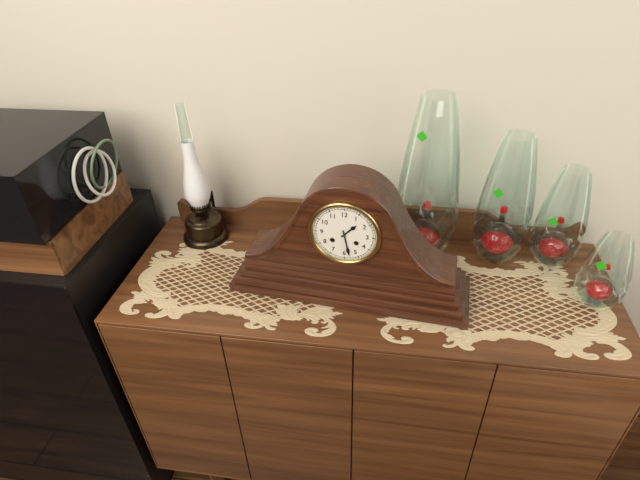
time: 1:28
